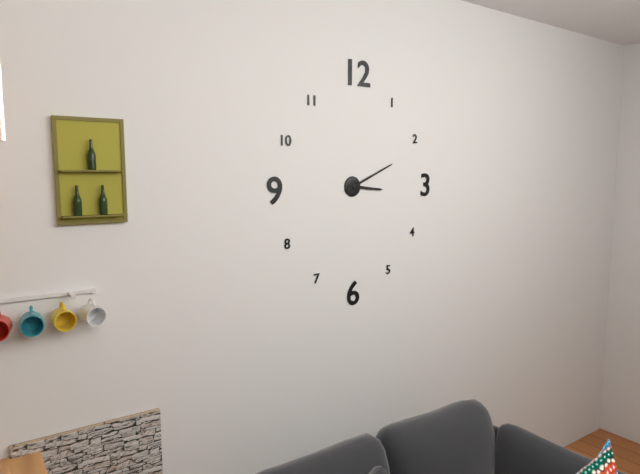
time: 3:11
